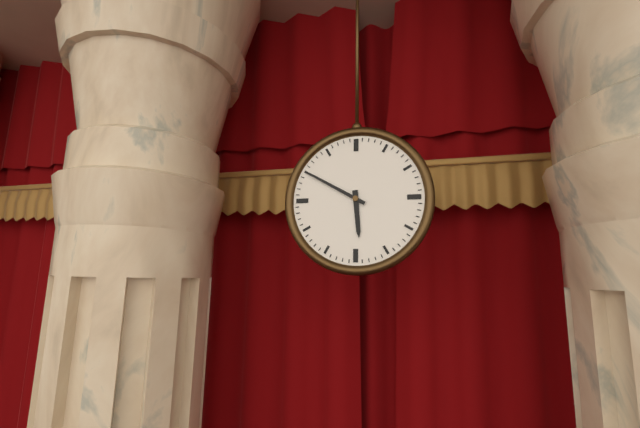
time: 5:50
